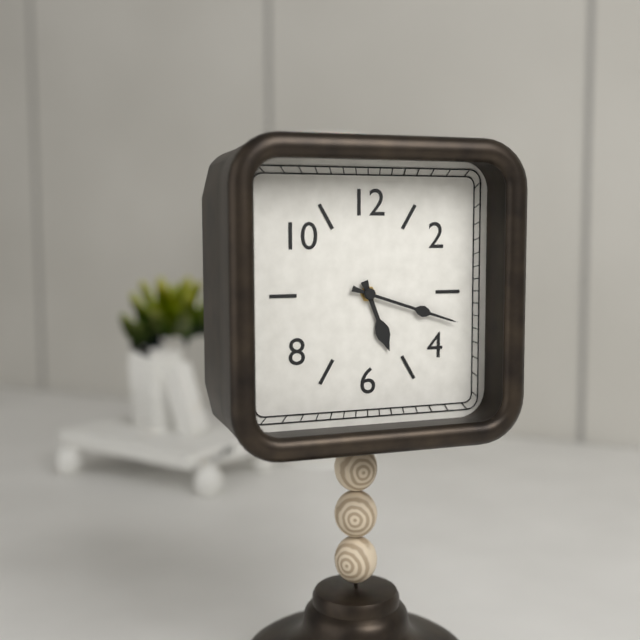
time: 5:18
